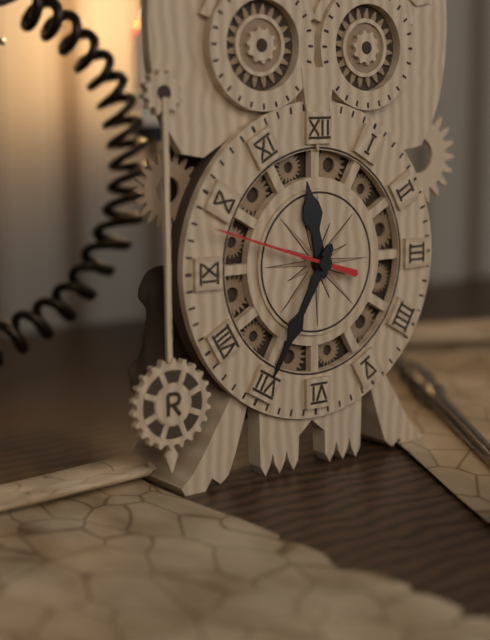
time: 11:35:48
